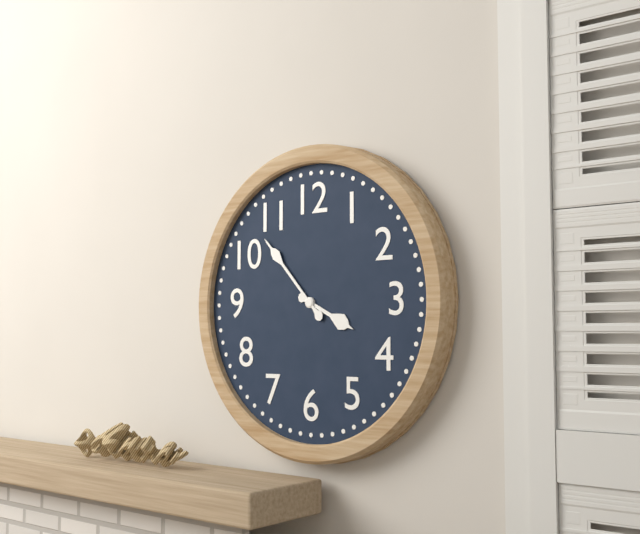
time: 3:53
